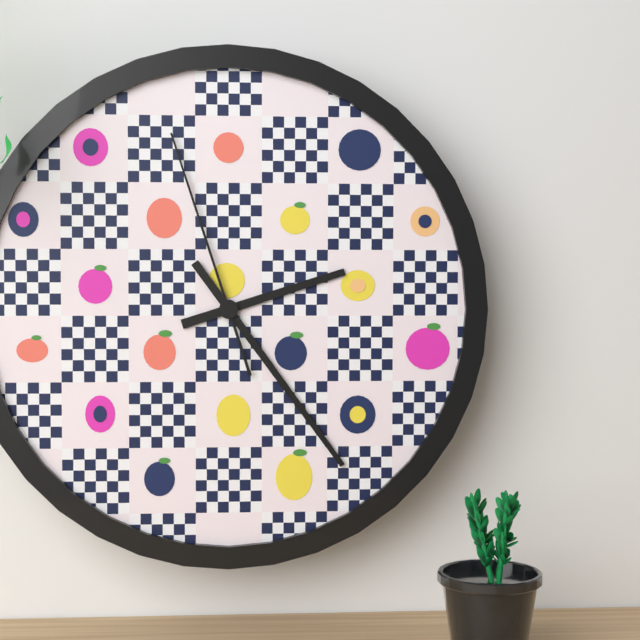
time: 2:24:57
